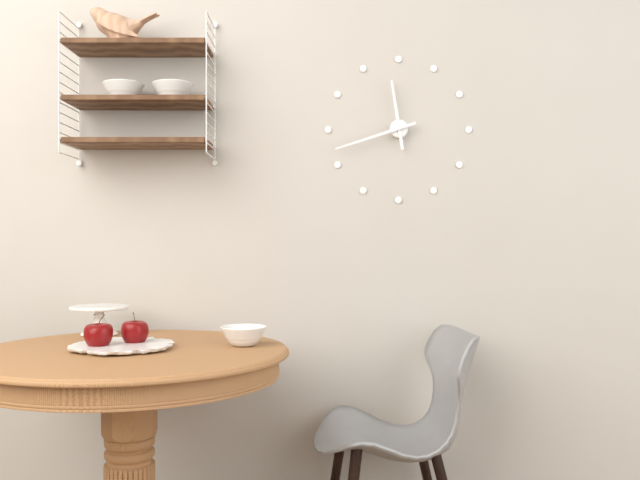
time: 11:42
